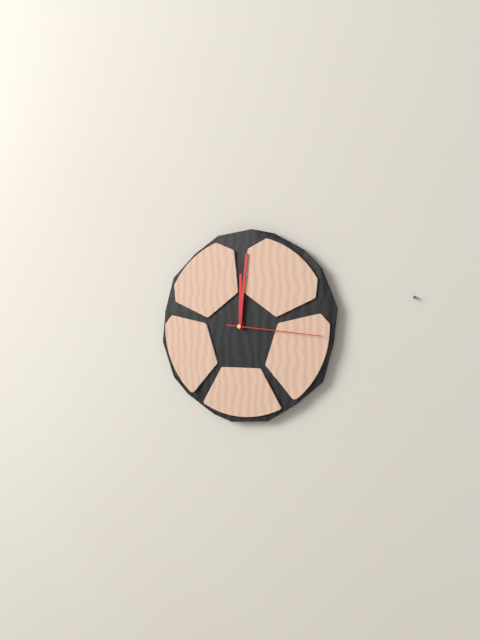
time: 12:01:16
